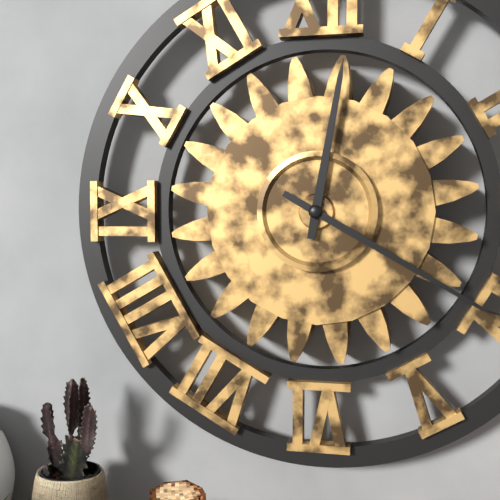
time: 12:20
